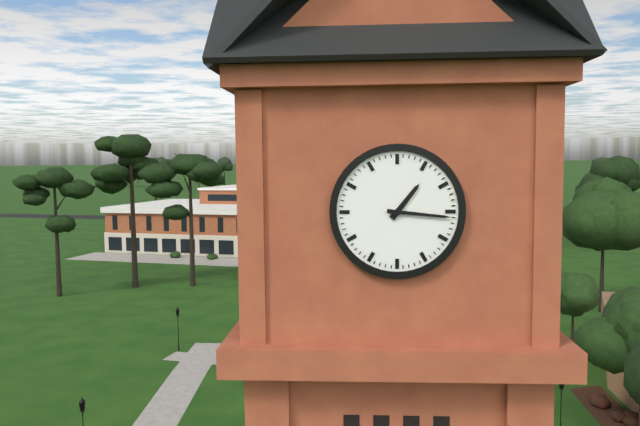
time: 1:16
